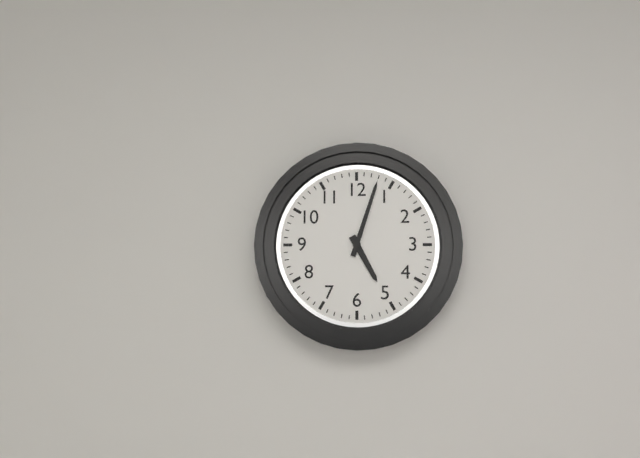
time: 5:03
